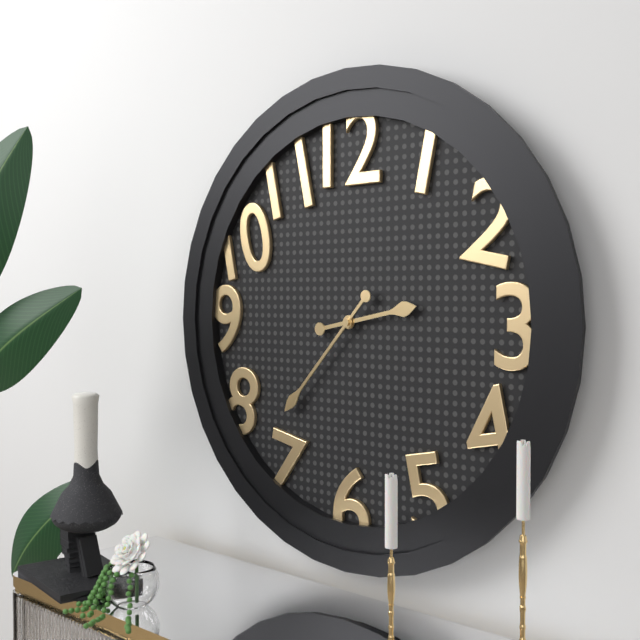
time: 2:37
